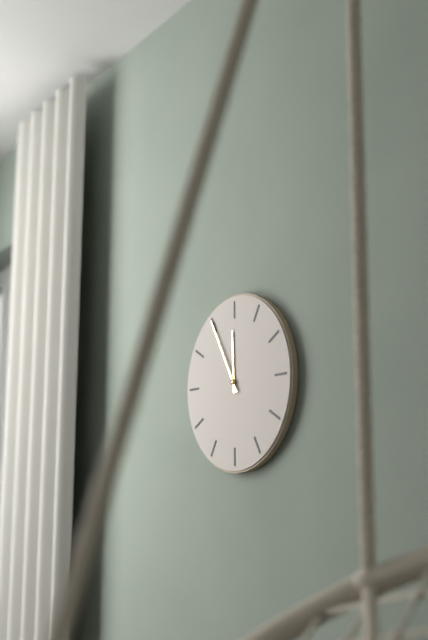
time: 11:55
